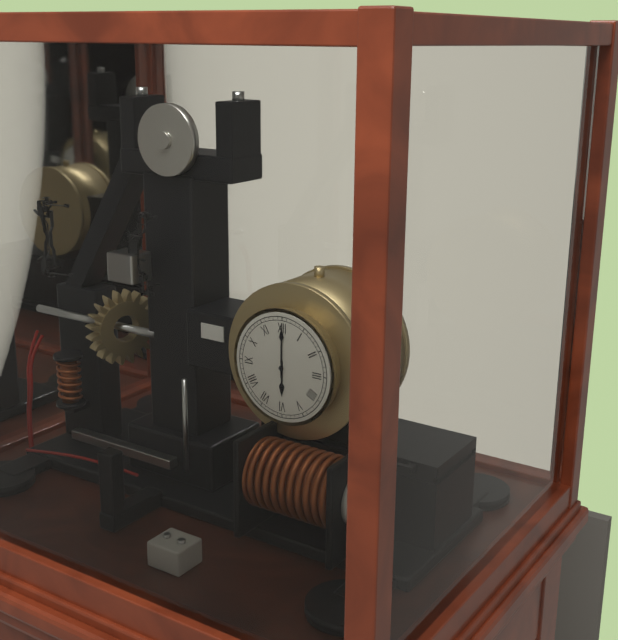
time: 6:00
